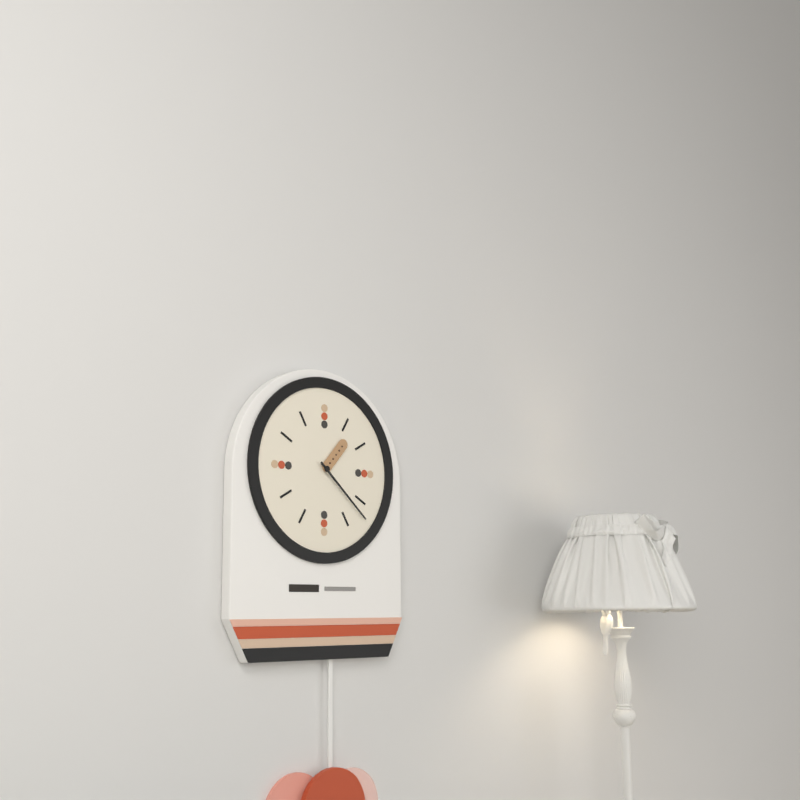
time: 1:22
